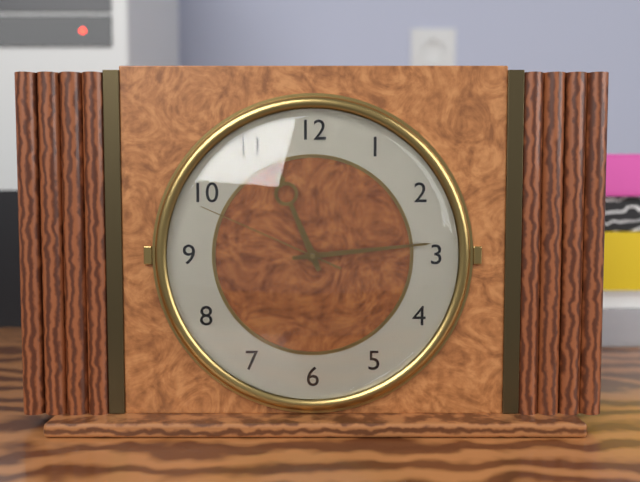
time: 11:14:49
